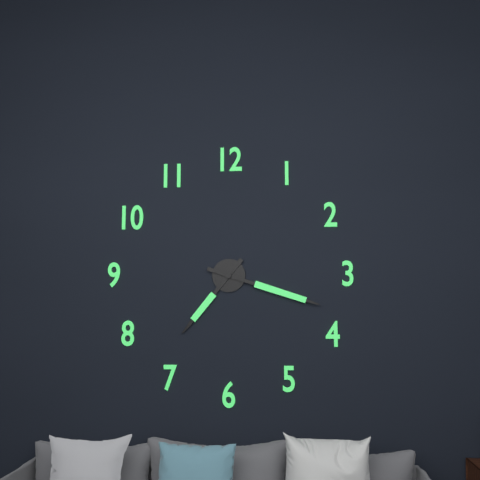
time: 7:18
